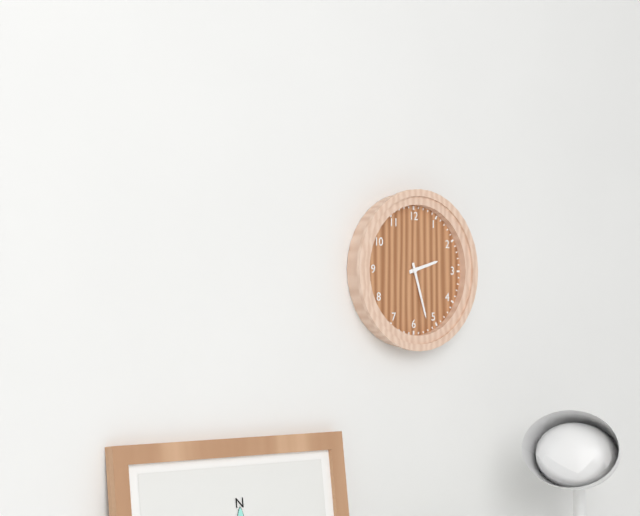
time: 2:27
